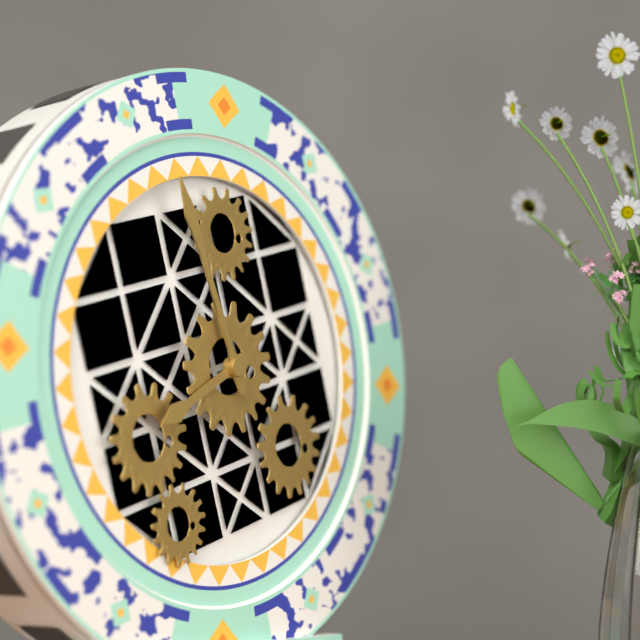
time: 7:56
